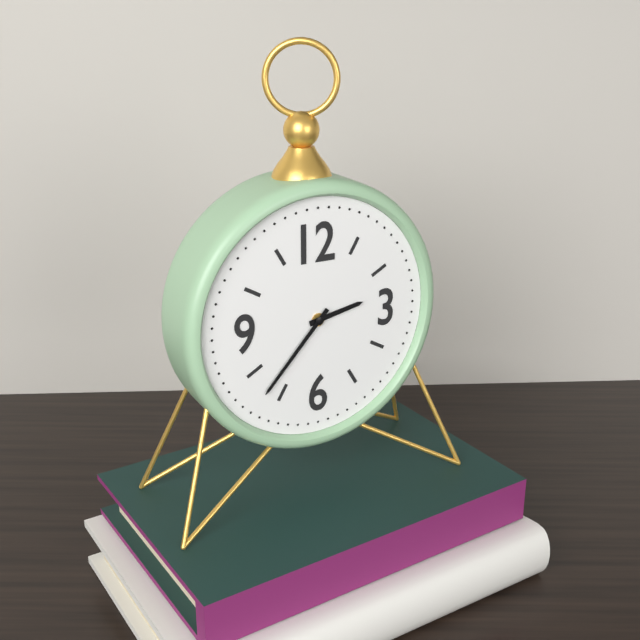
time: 2:37
